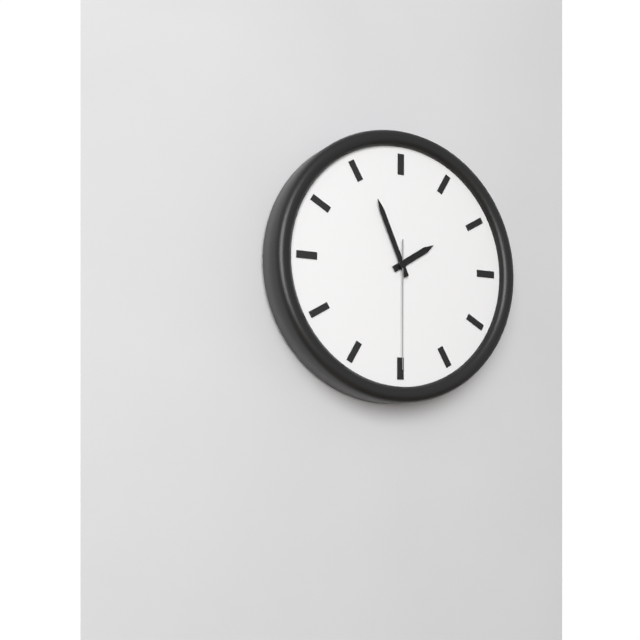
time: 1:56:30
